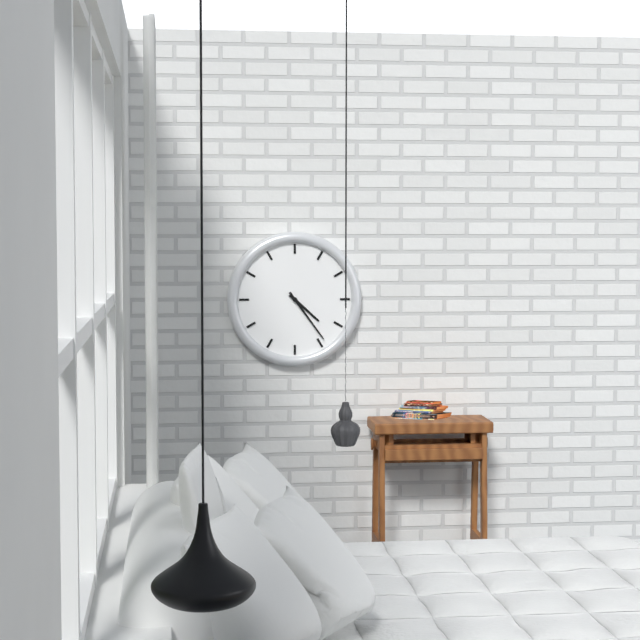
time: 4:24
